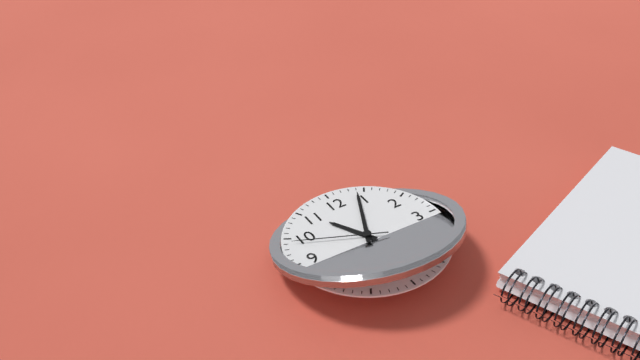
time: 11:04:49
